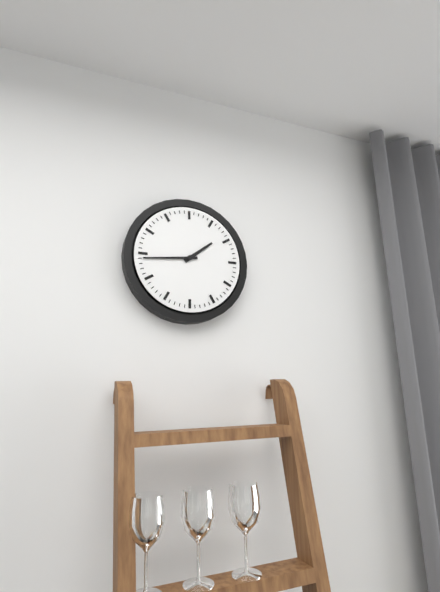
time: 1:44
